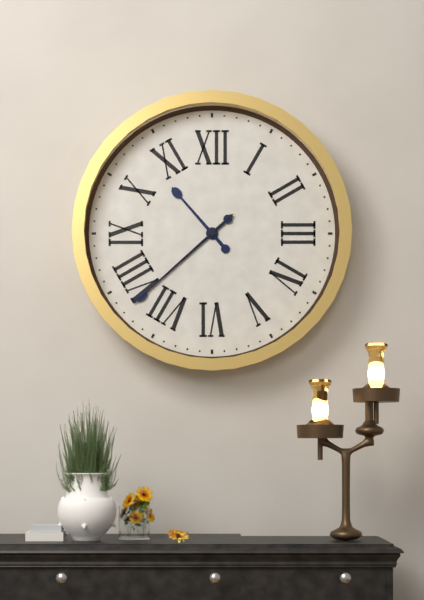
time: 10:38:38
